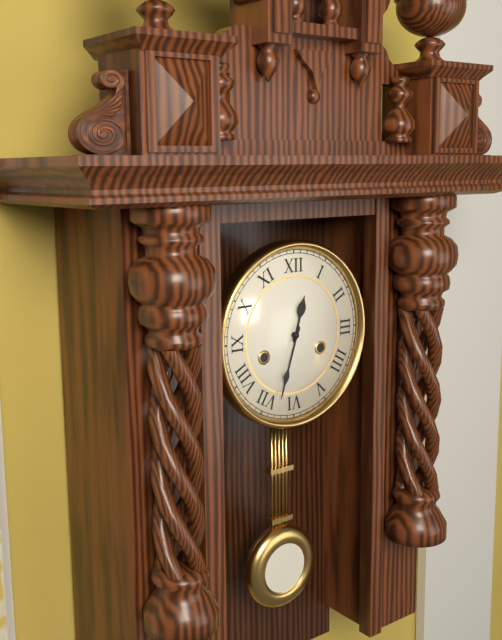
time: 12:33
